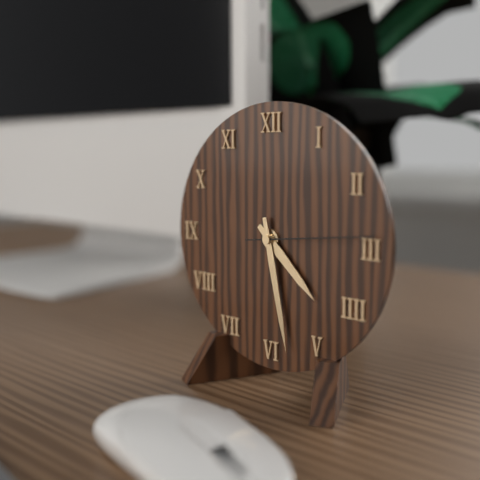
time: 4:28:14
